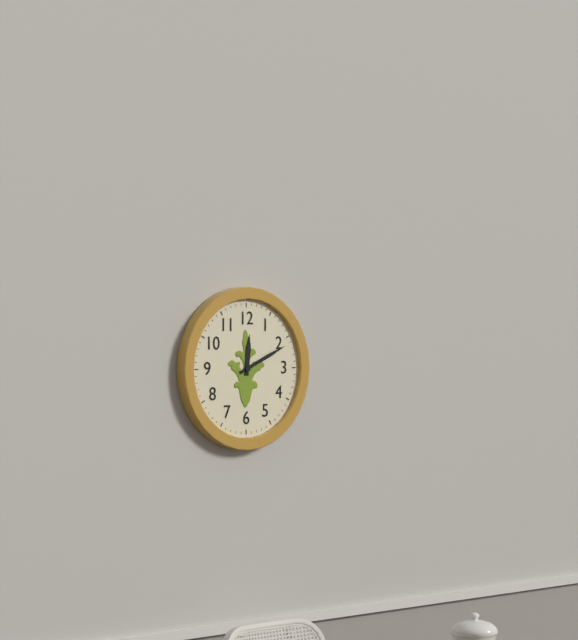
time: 12:11
